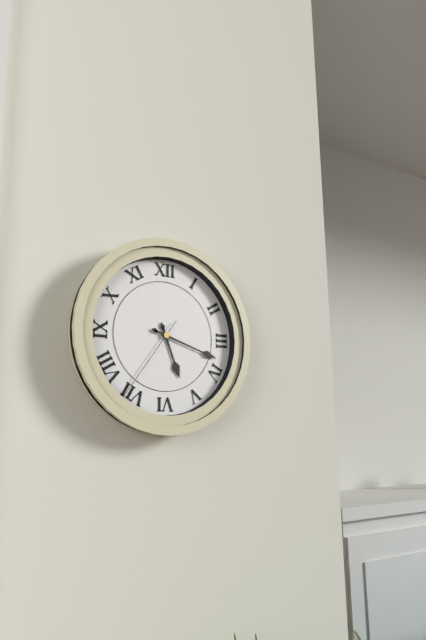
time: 5:18:36
